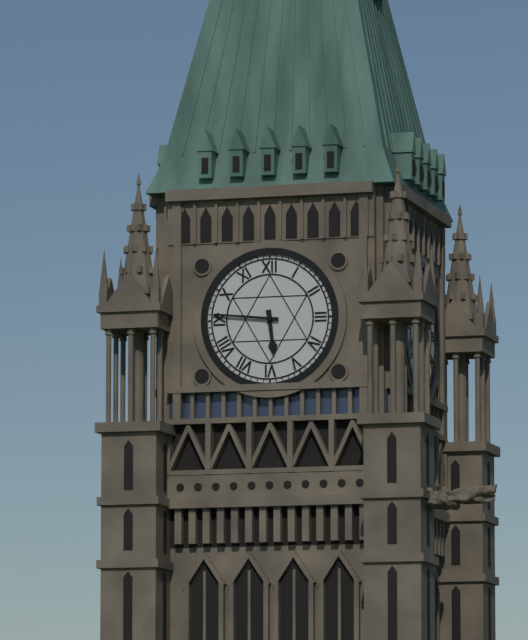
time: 5:46
